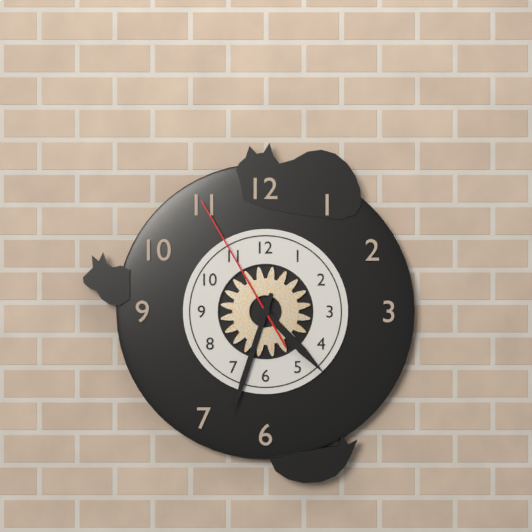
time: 4:33:55
